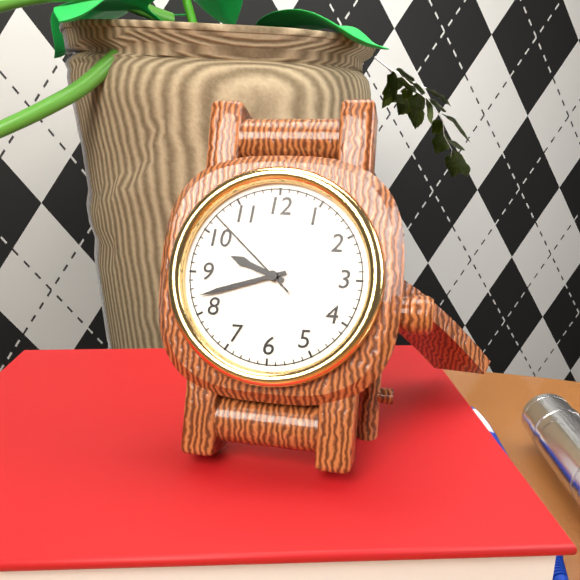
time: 9:42:52
